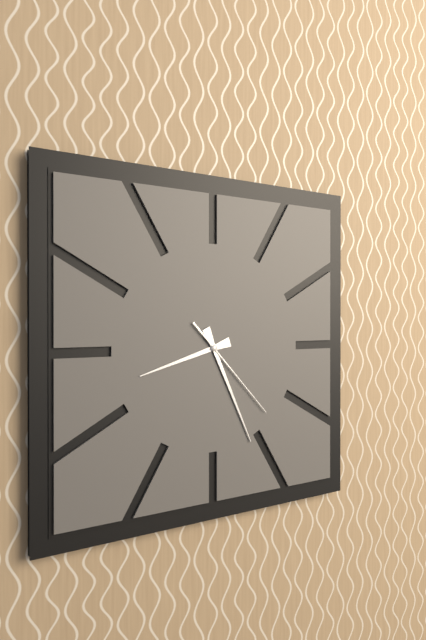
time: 8:26:23
